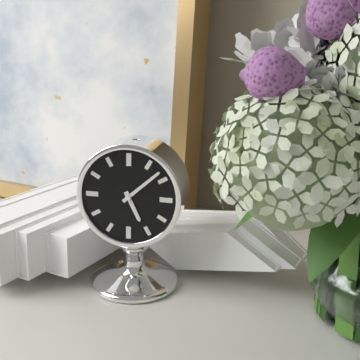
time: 5:08
